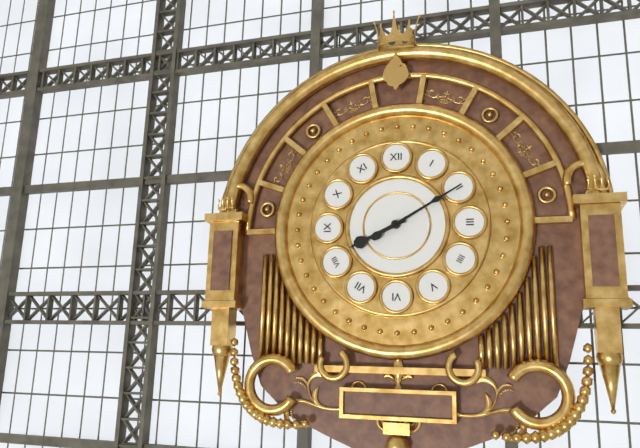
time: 8:10
